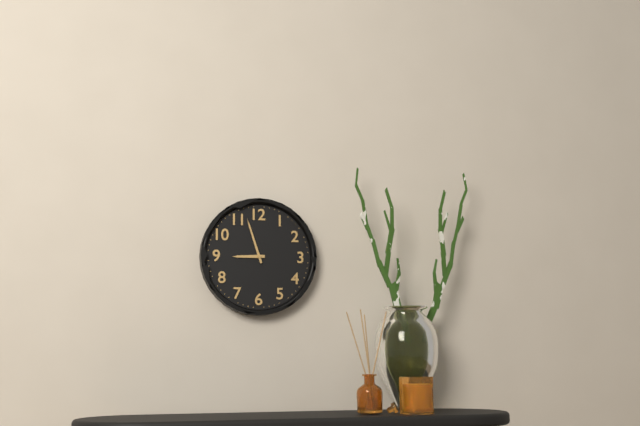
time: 8:57
